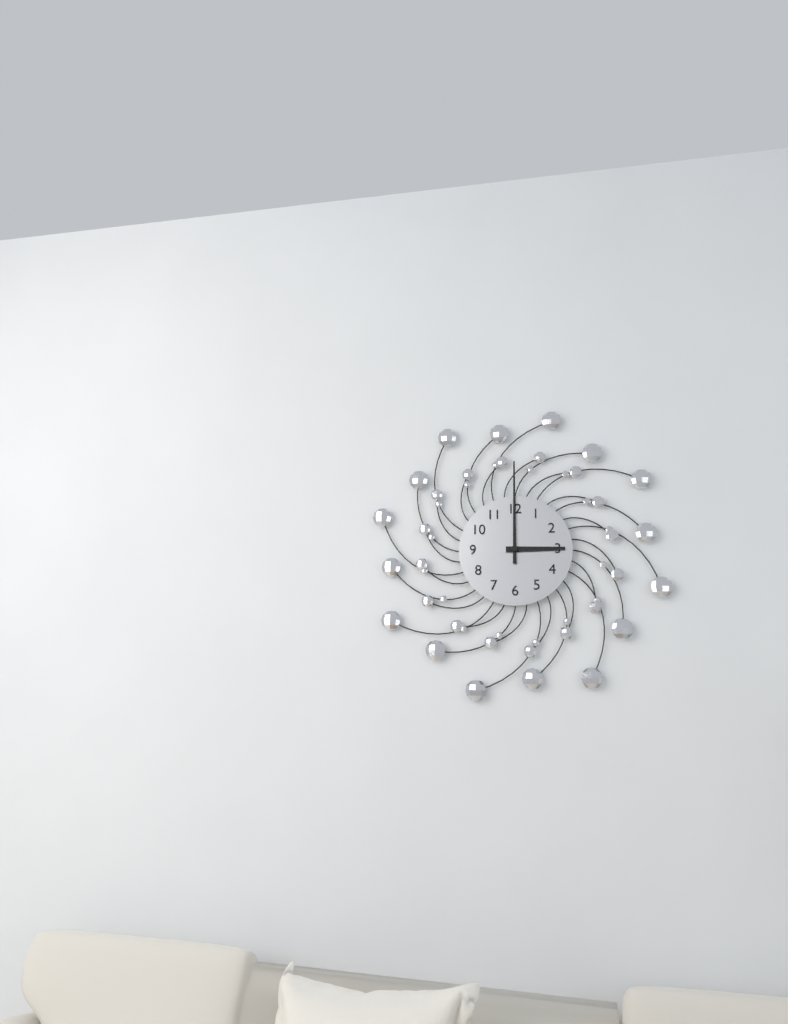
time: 3:00
